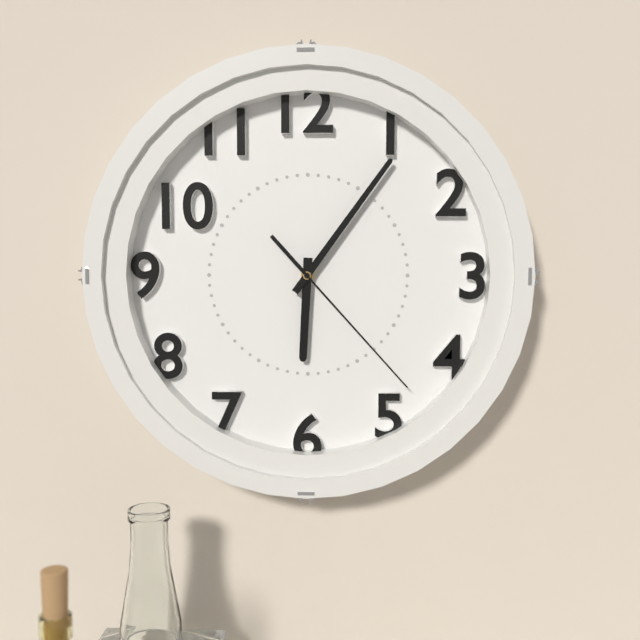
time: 6:06:23
